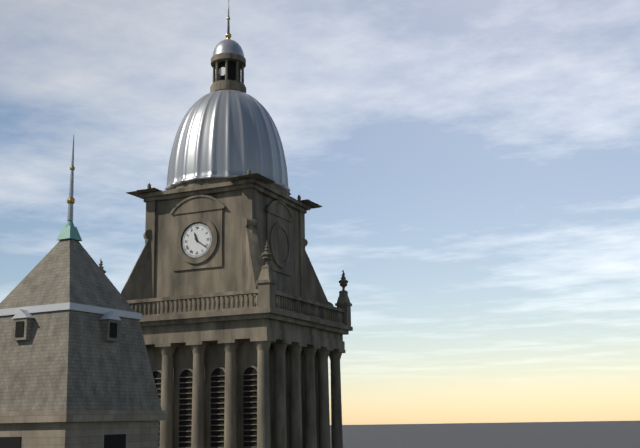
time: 11:21
